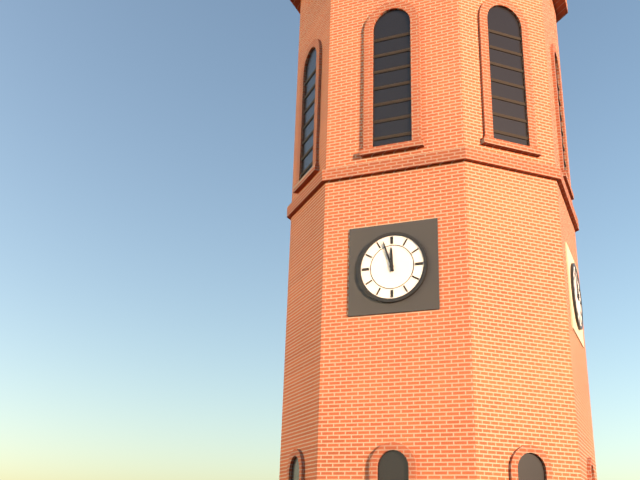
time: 11:57
